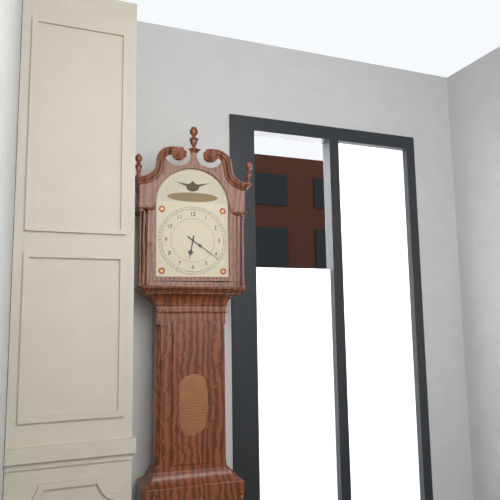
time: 6:21
